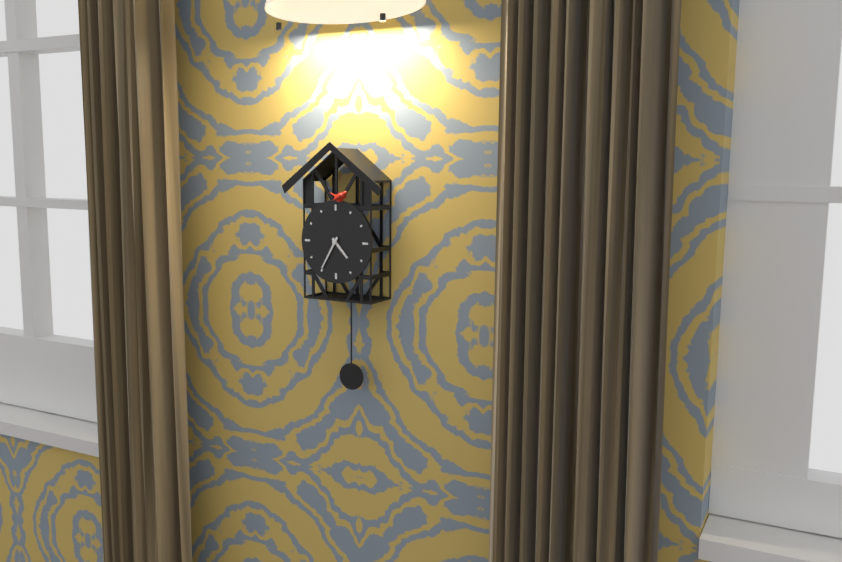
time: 4:35
